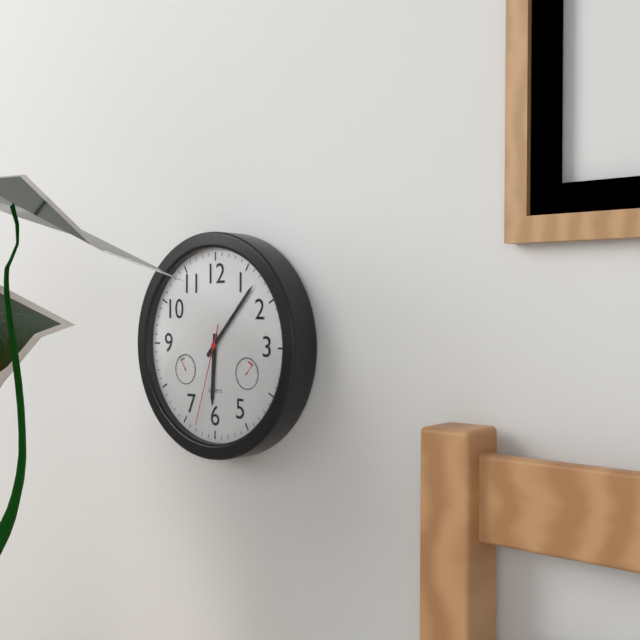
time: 6:07:33
